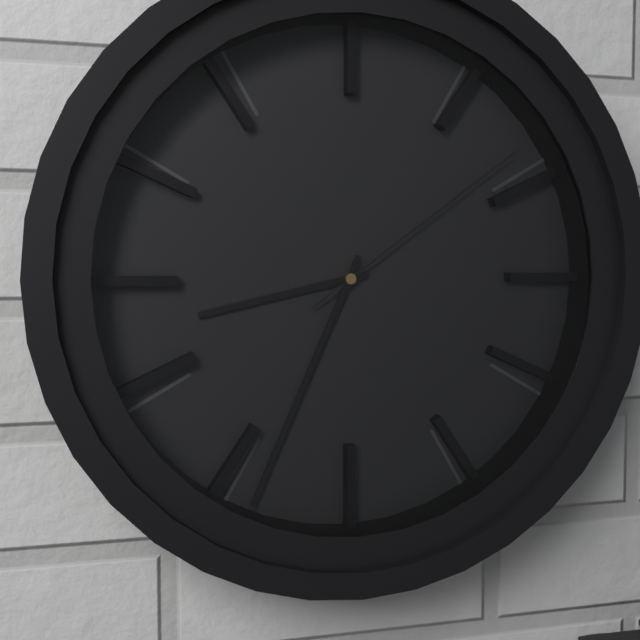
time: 8:34:09
